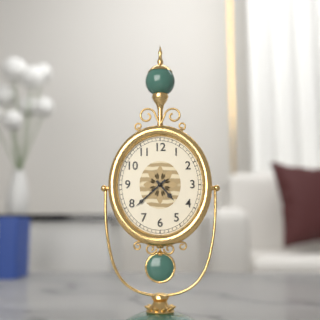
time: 4:38
